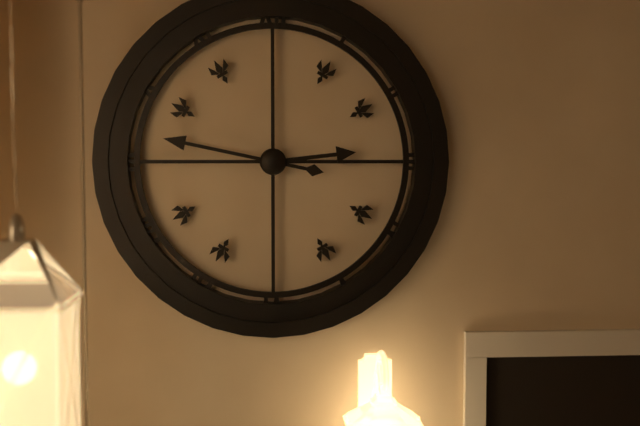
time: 2:47
